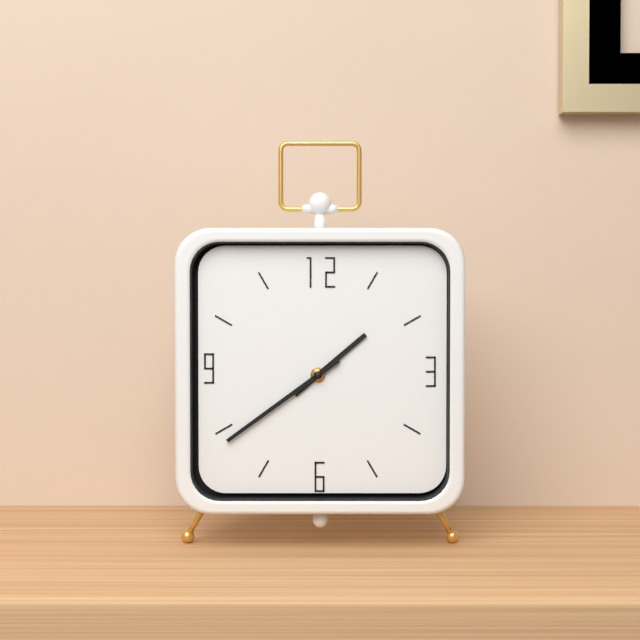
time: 1:39
